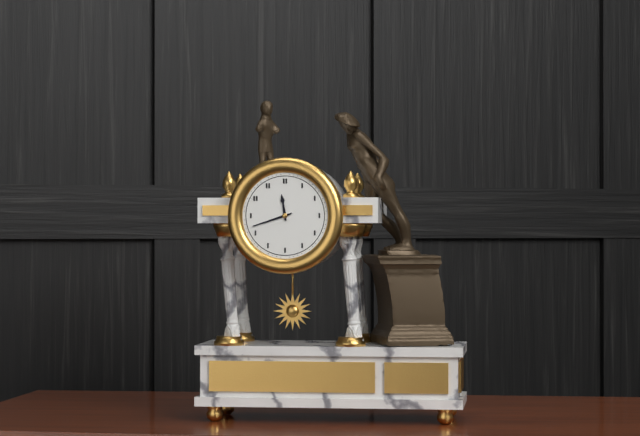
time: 11:42
